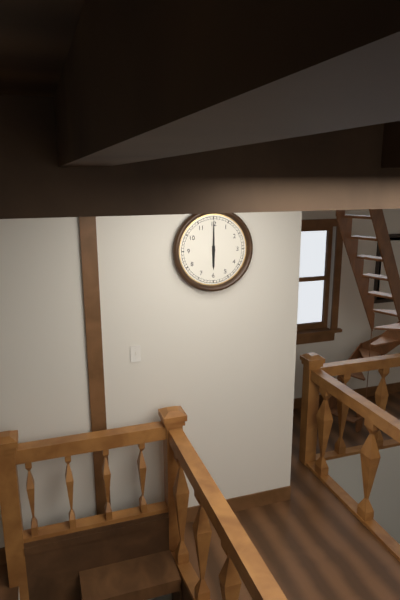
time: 6:00
